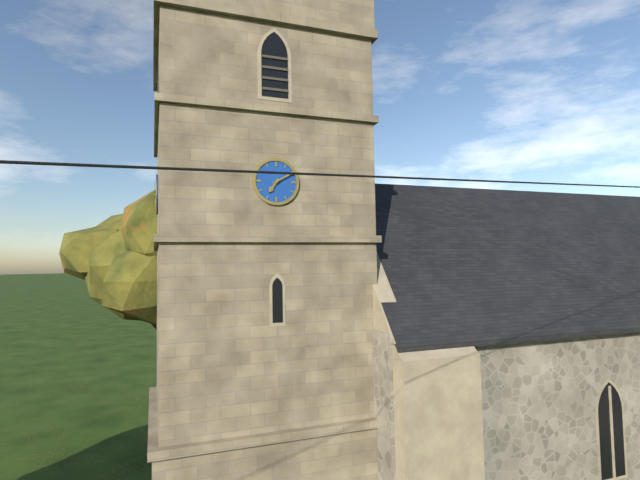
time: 7:10
